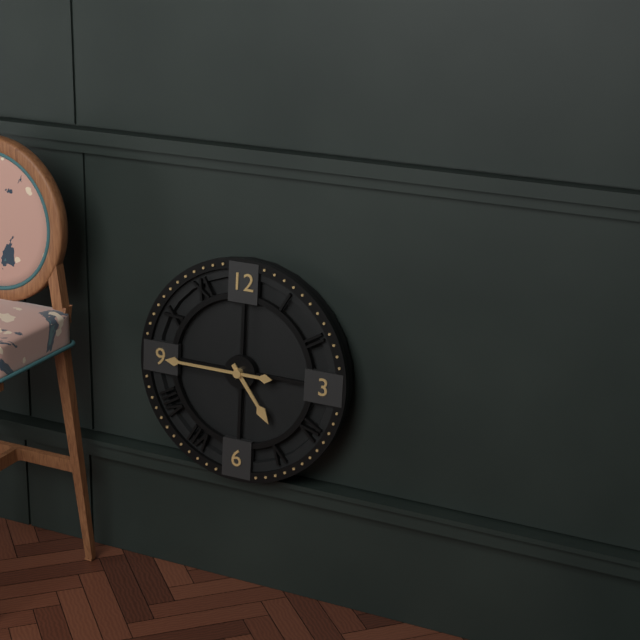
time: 4:45
